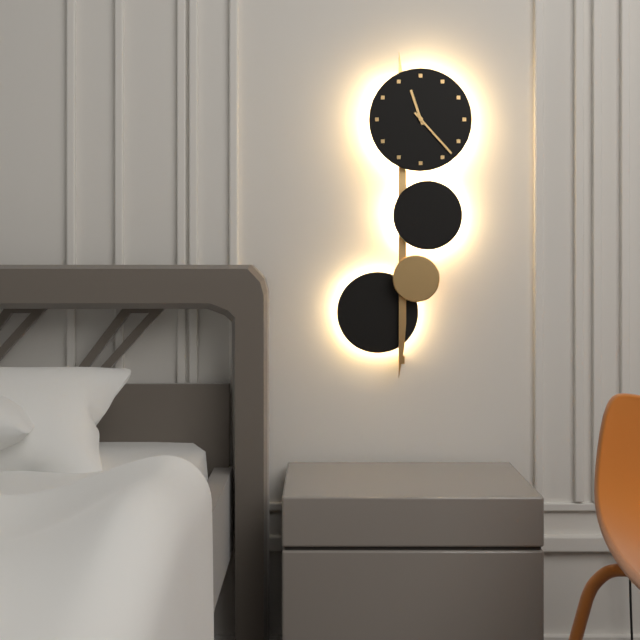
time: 11:23
